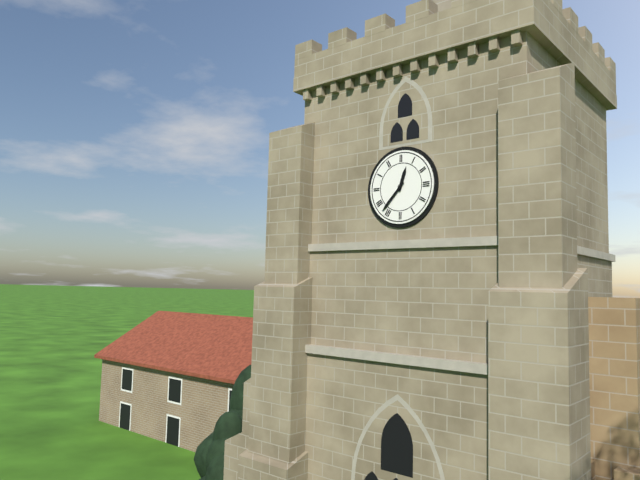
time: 12:37
